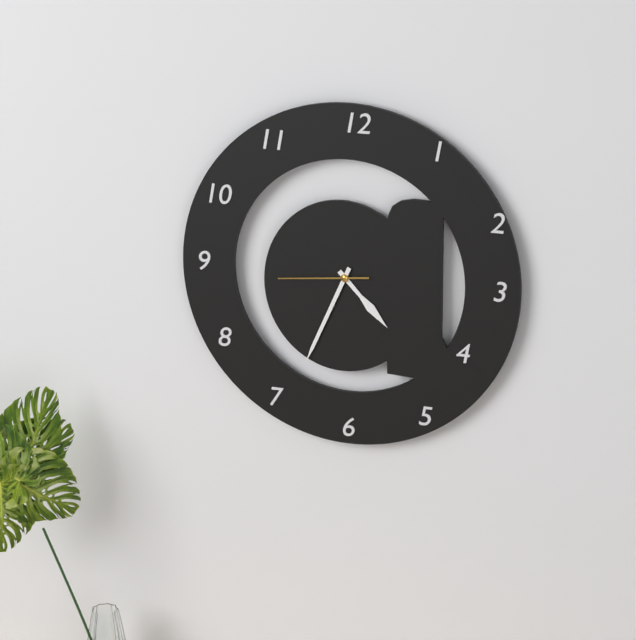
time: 4:34:44
